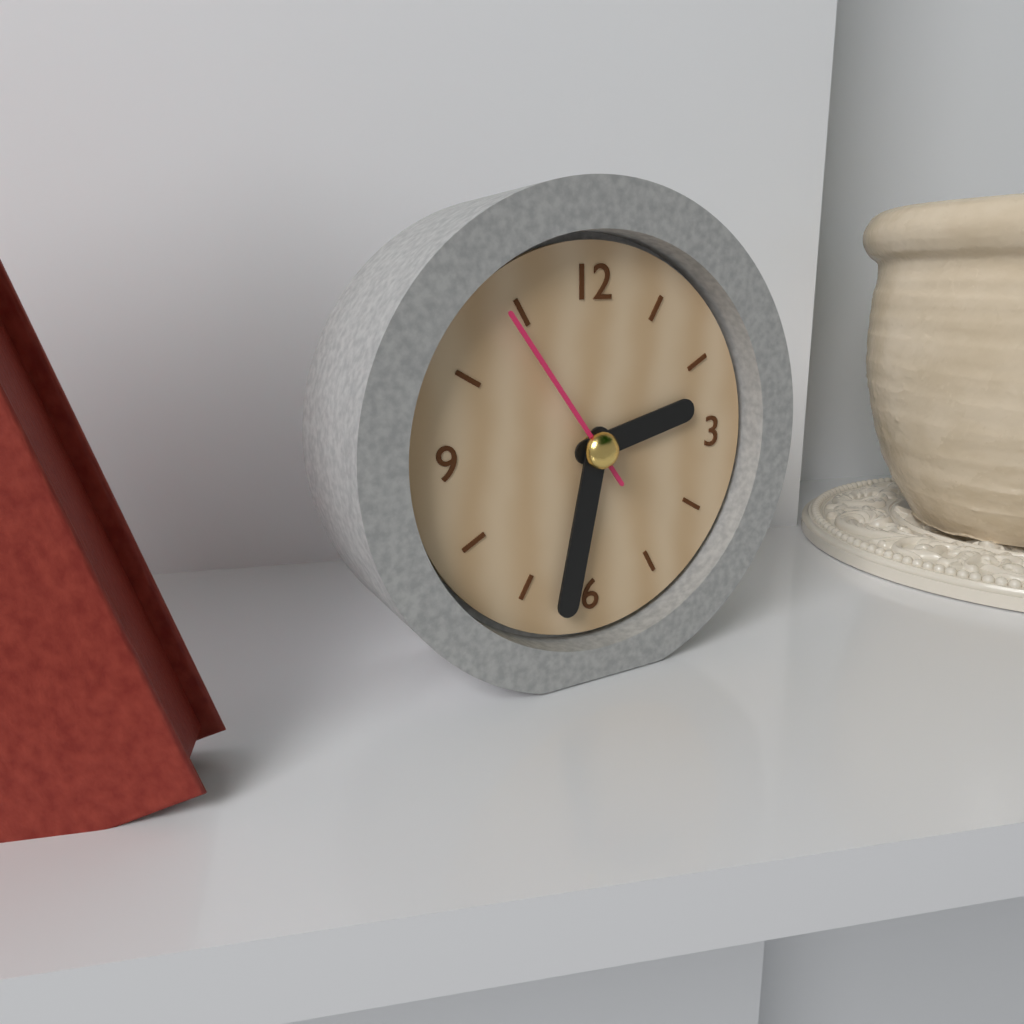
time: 2:32:54
